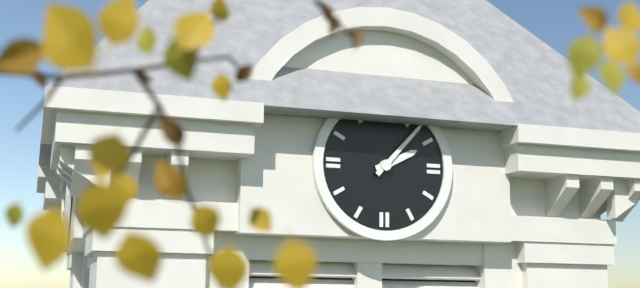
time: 2:07
